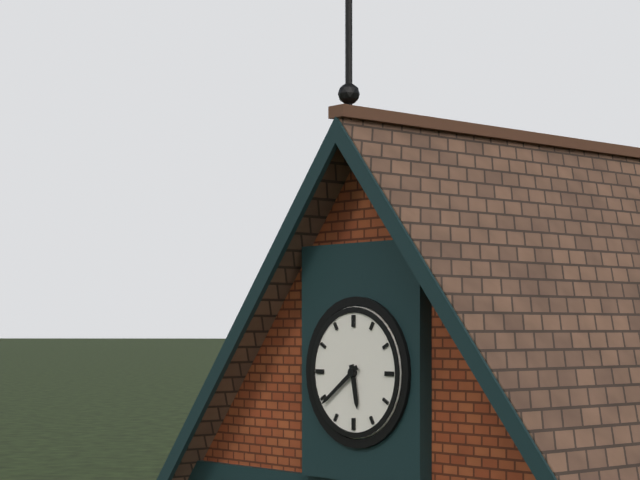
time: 5:39
